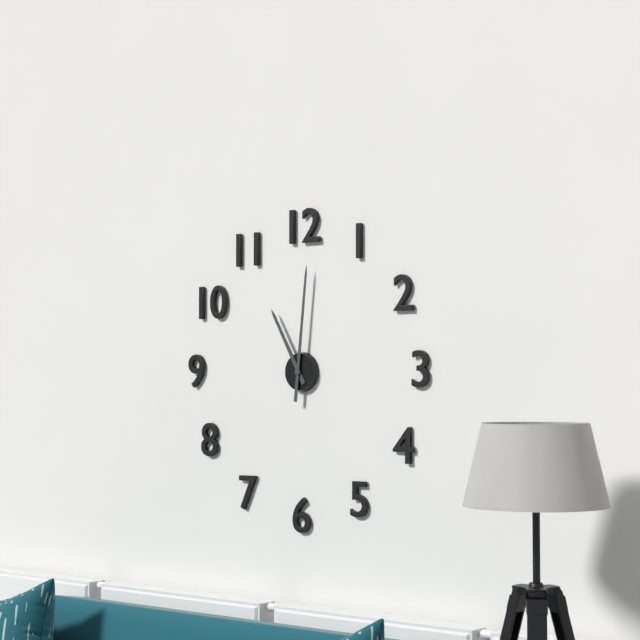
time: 11:01
